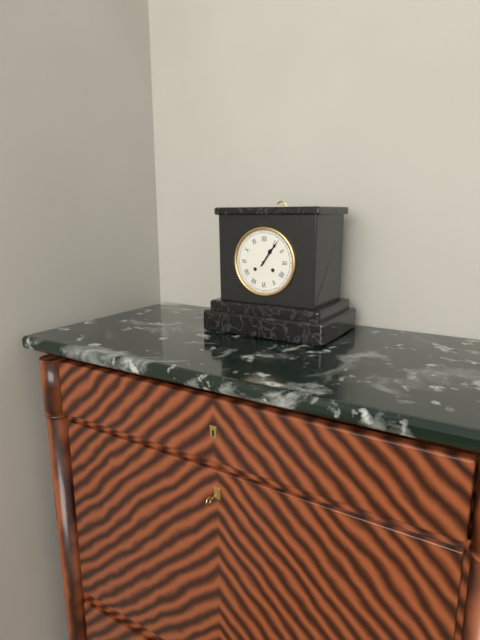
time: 1:06
